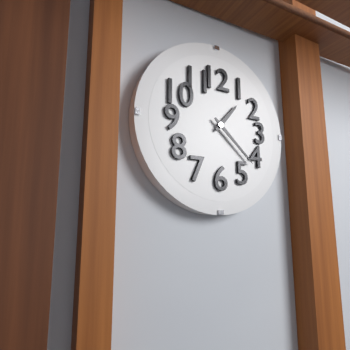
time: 1:22
